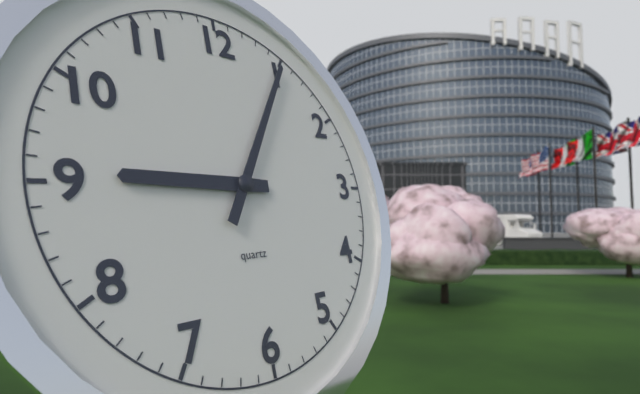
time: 9:05
